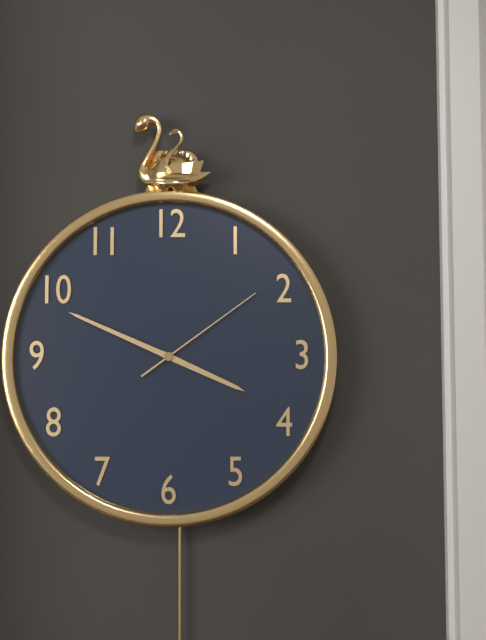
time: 3:49:09
